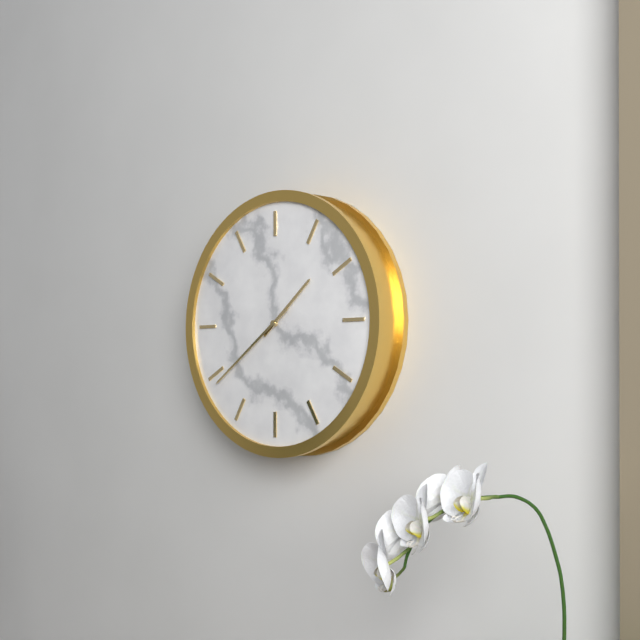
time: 1:39
